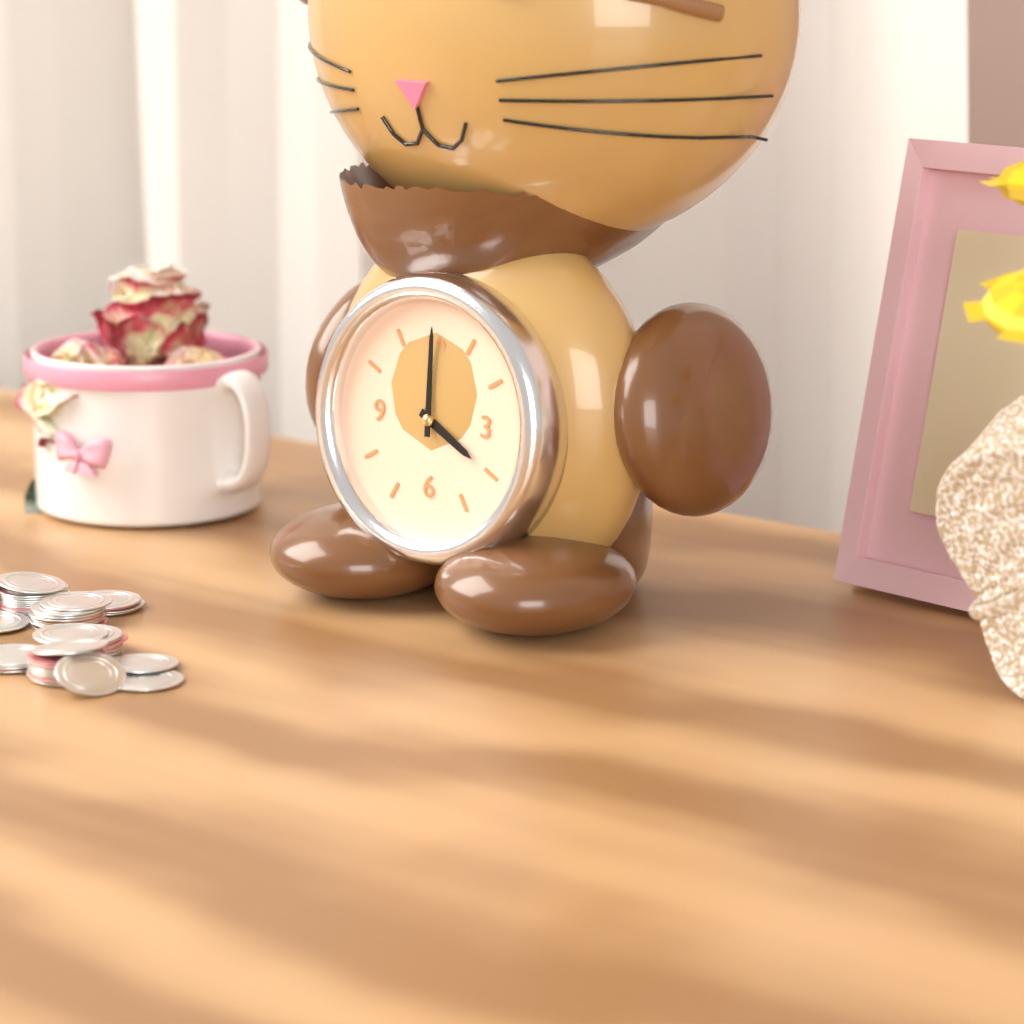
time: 4:00
